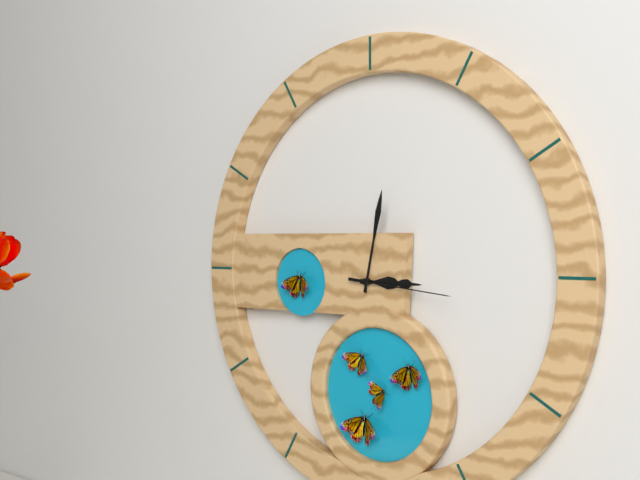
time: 3:02:16
